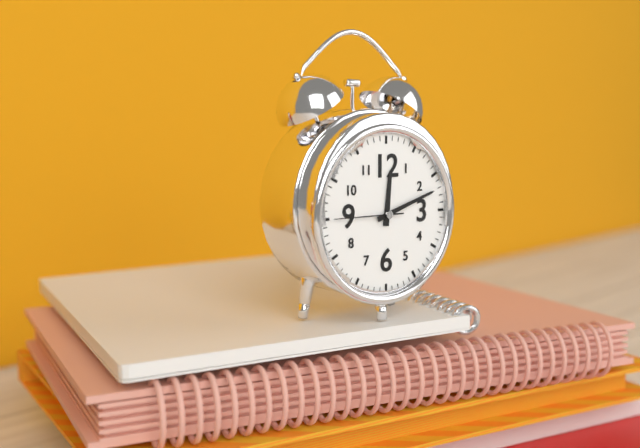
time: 12:12:45
